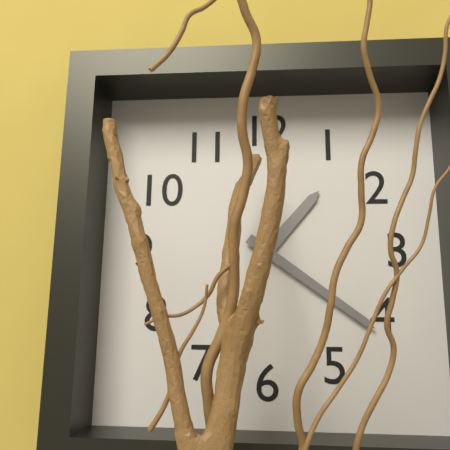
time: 1:21
